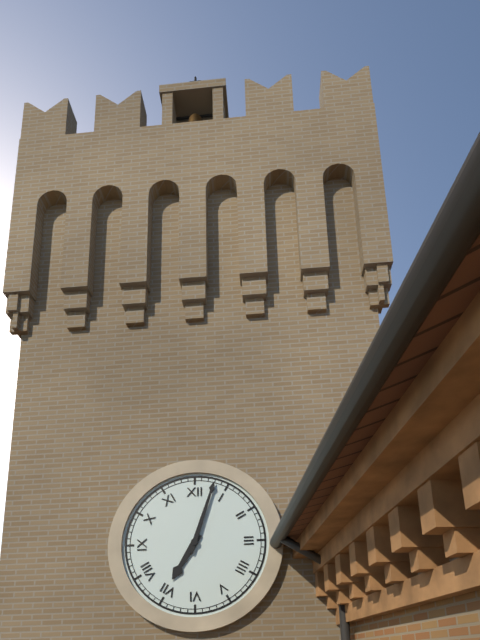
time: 7:03
